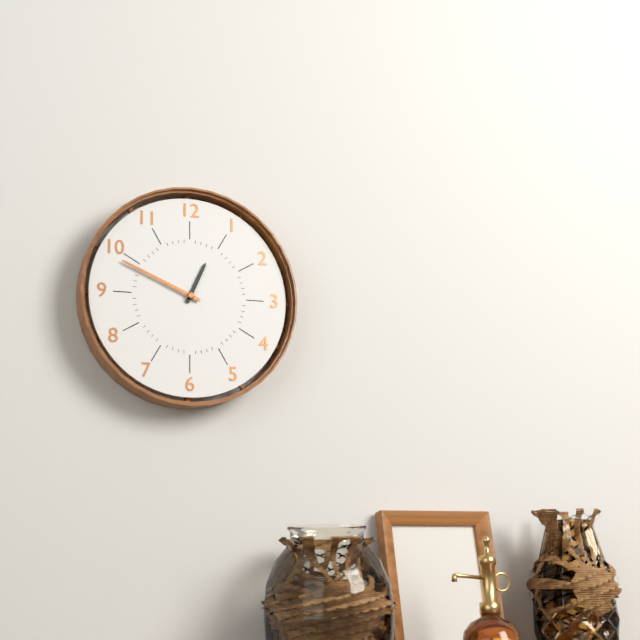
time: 12:49
